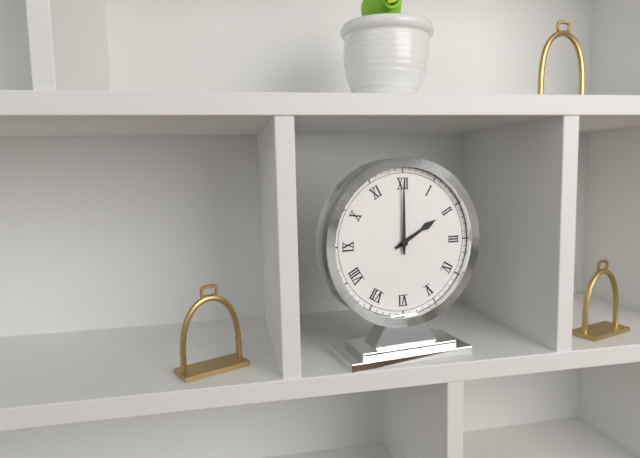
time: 2:00
